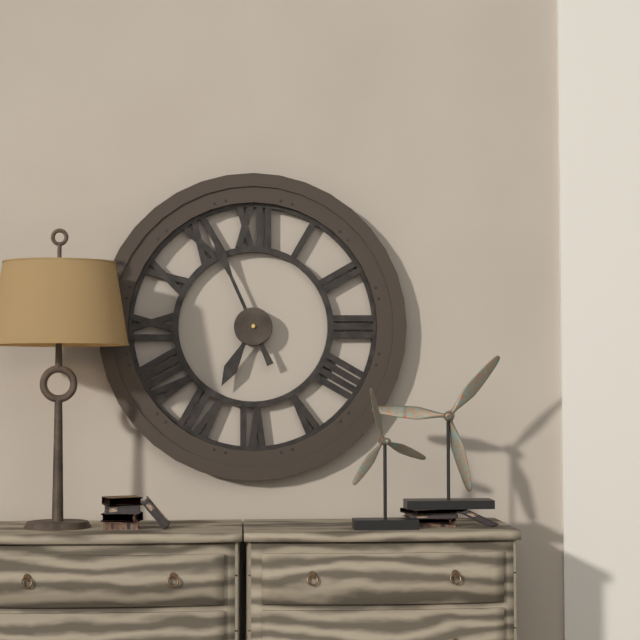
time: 6:56
